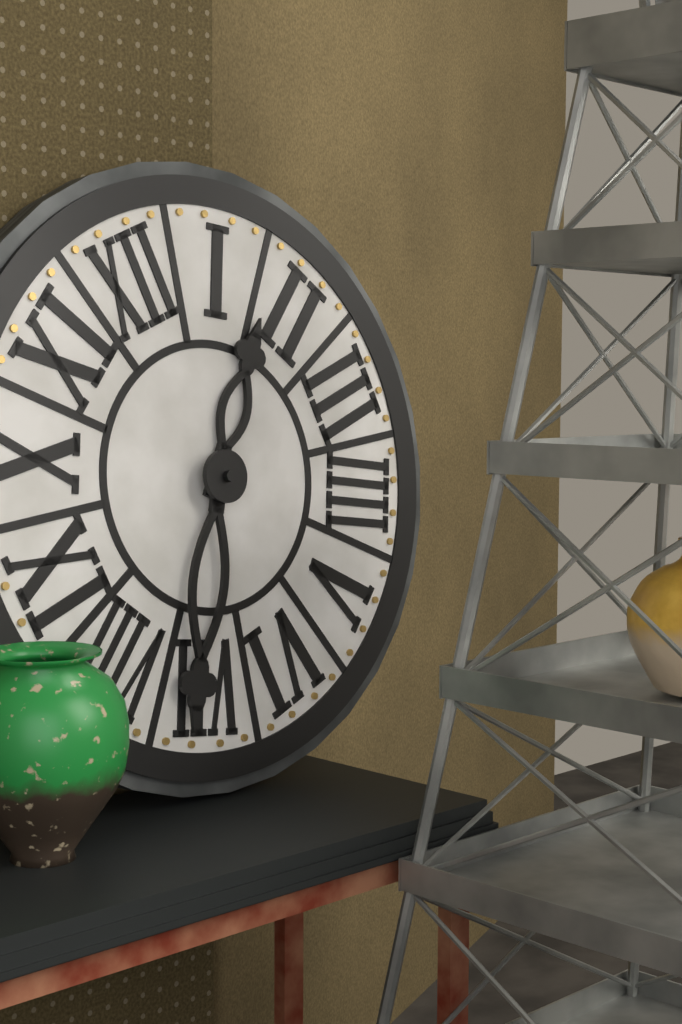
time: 1:36
